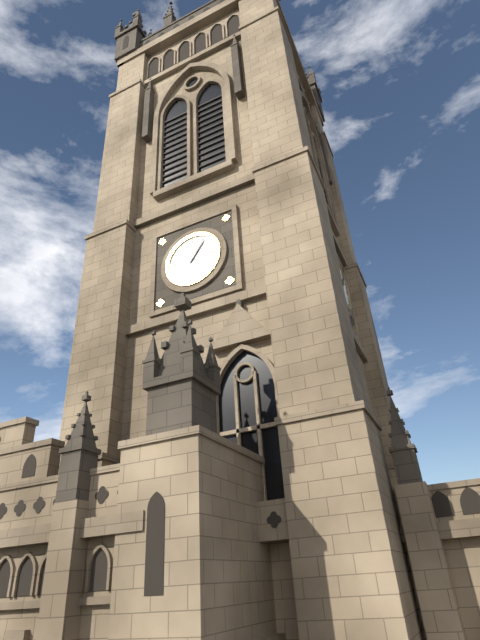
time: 1:06
